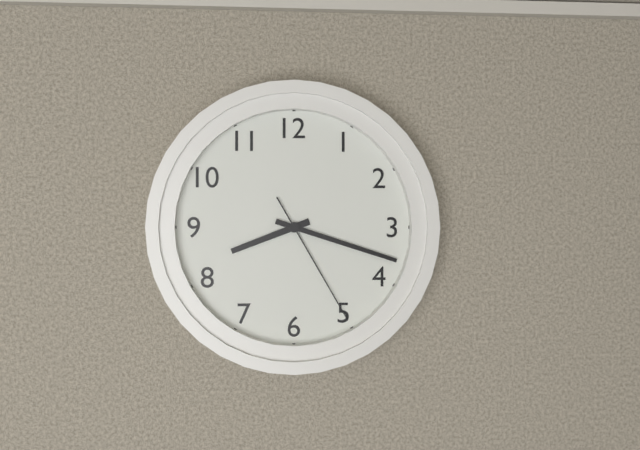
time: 8:18:25
